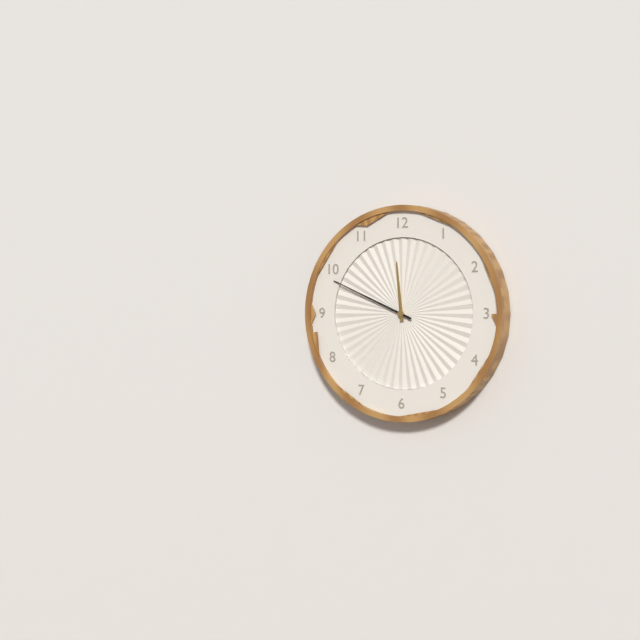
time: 11:49
